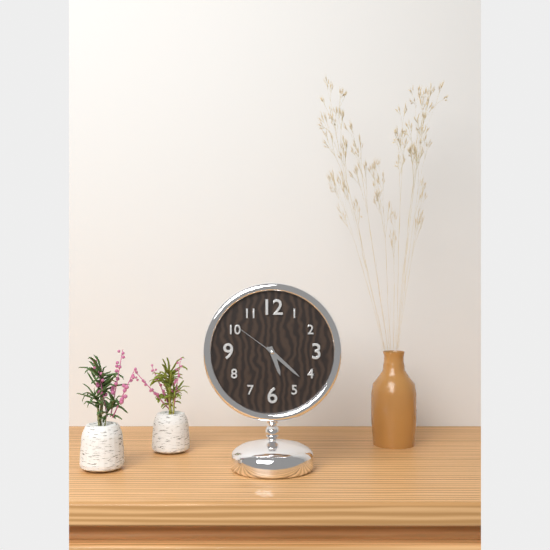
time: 5:22:51
